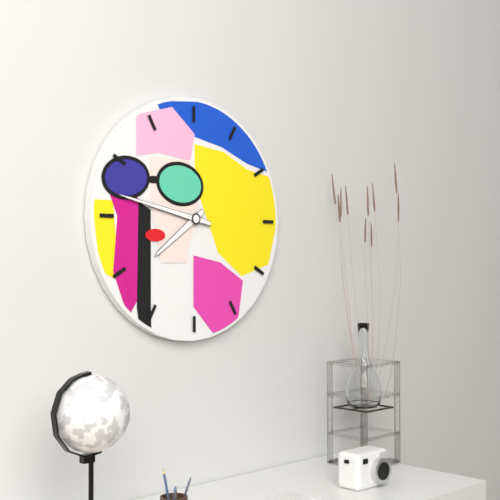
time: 7:47
